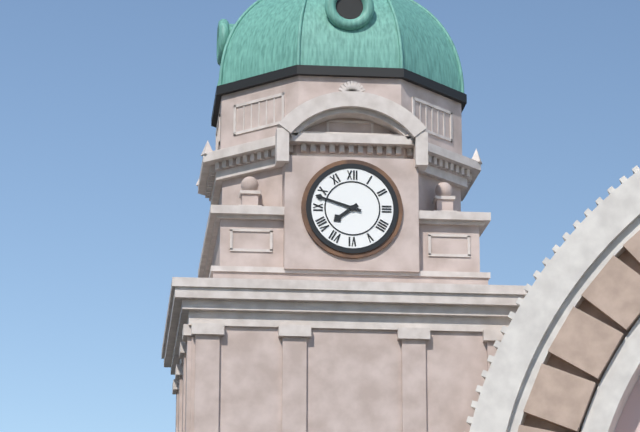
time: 7:48
